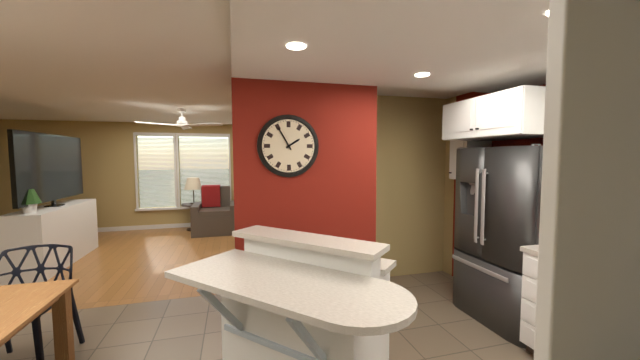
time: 1:55
